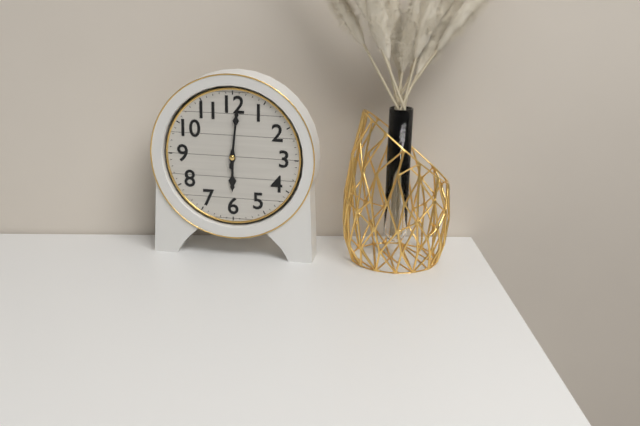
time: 6:01
